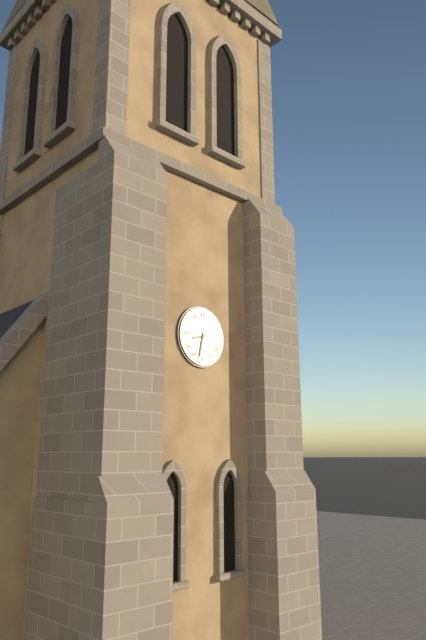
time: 8:32
